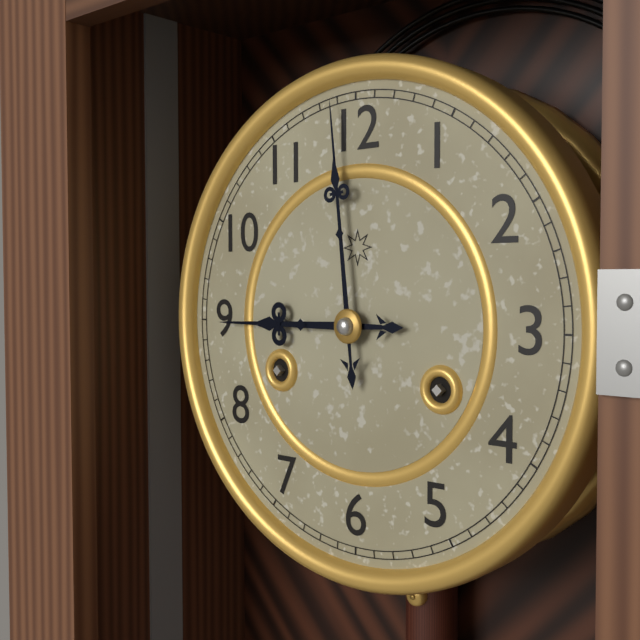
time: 8:59
